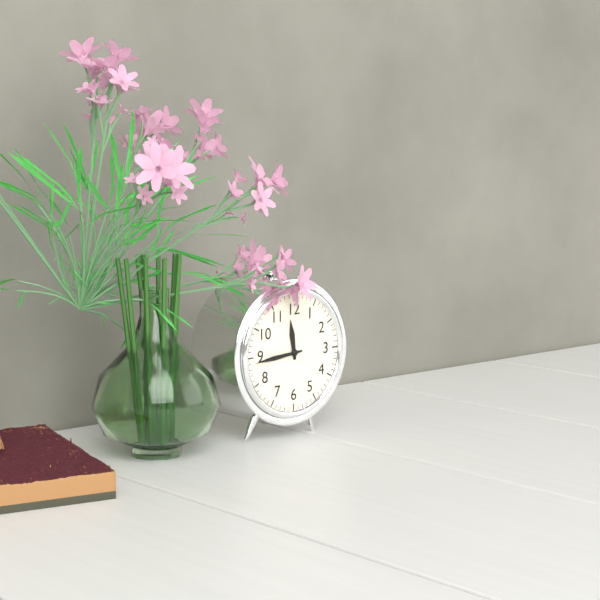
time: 11:44
